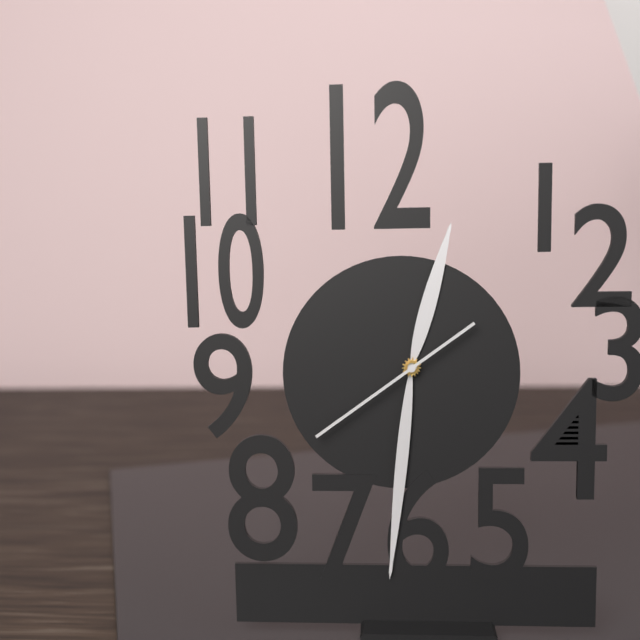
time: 12:31:39
